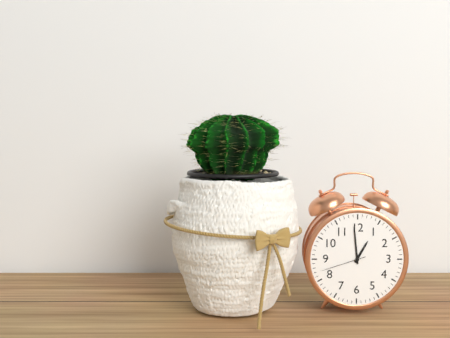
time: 12:59
